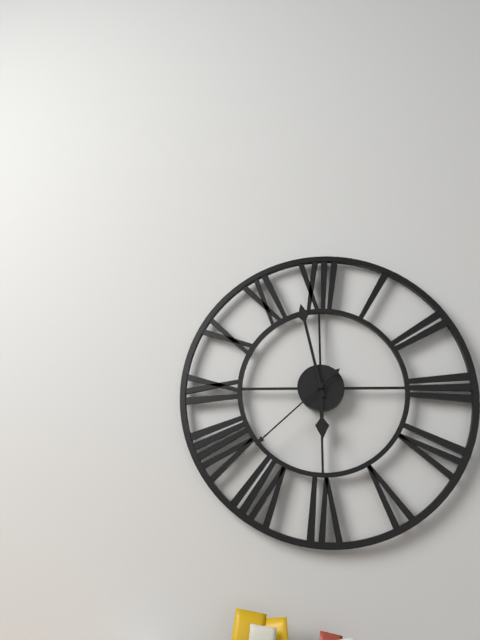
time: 5:58:38
